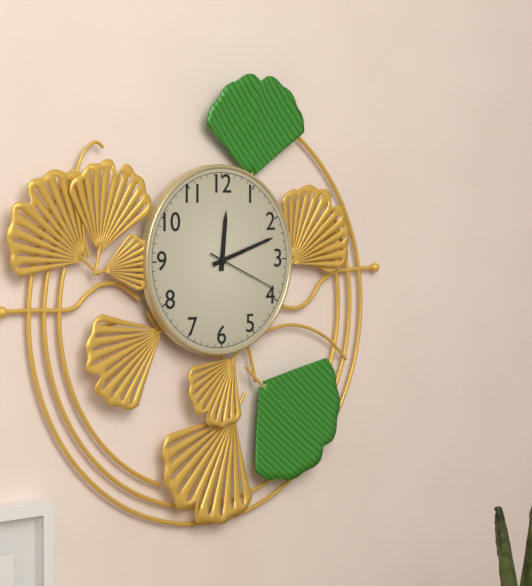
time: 12:12:19
